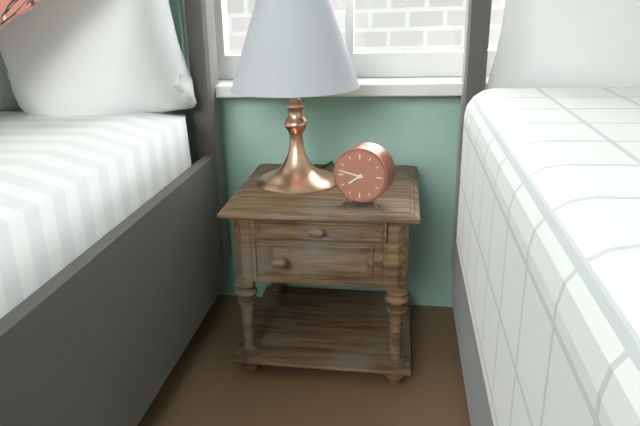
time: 7:47
